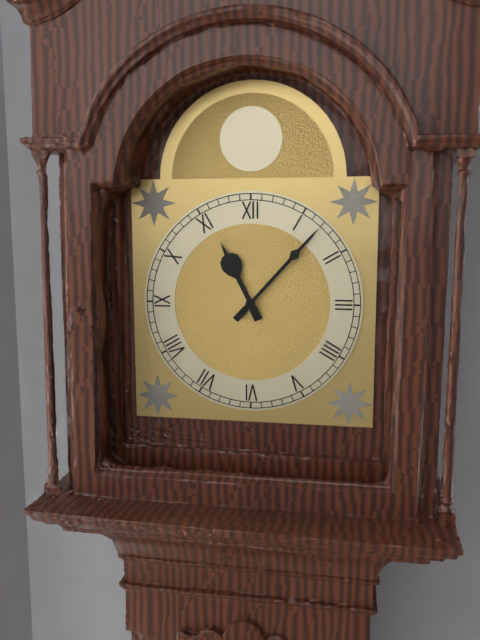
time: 11:07
